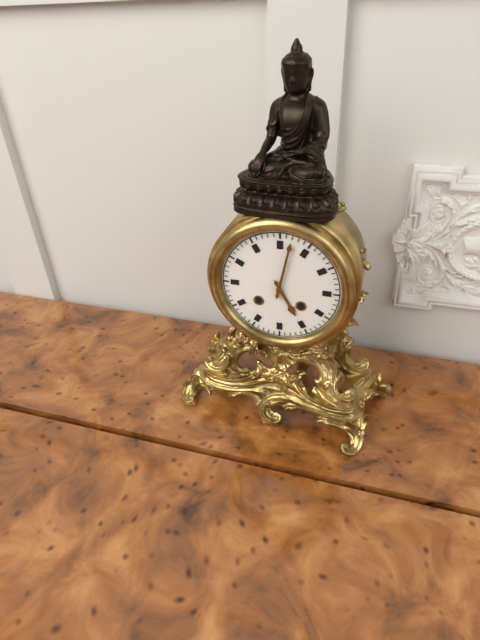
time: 5:02
